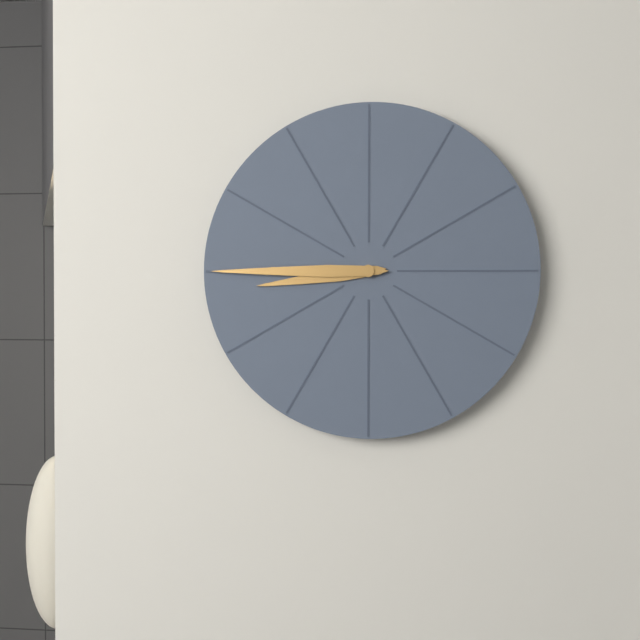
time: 8:45
